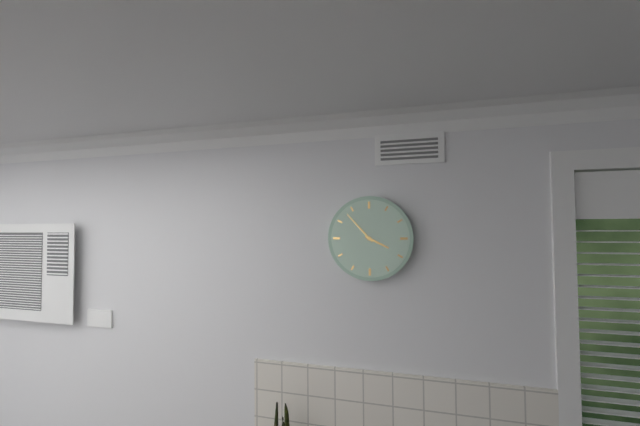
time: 3:53
